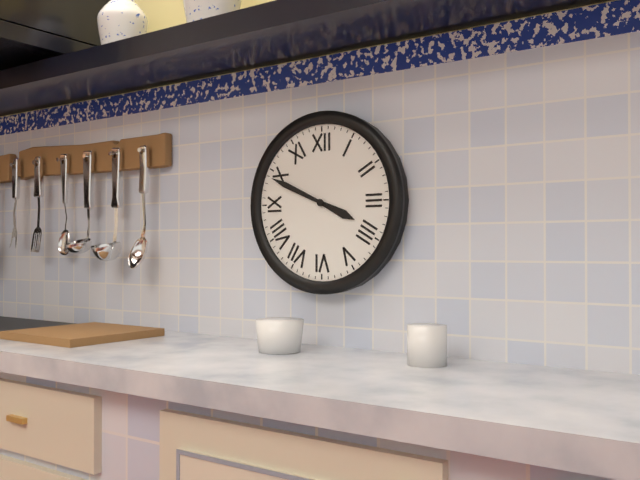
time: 3:49
